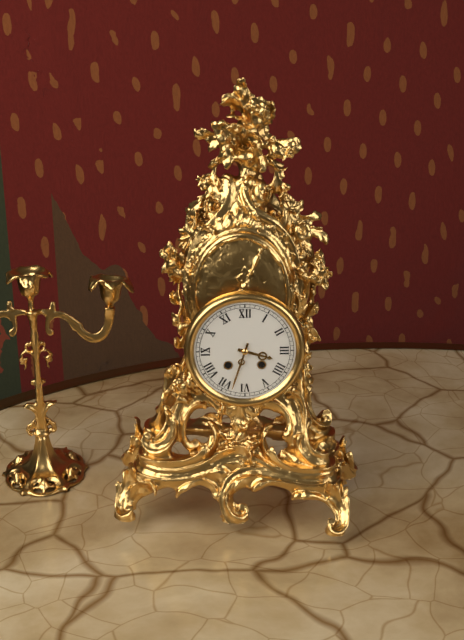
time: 3:33
